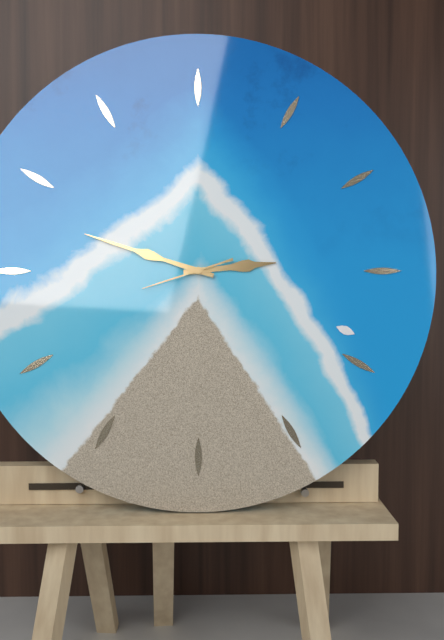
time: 2:48:42
